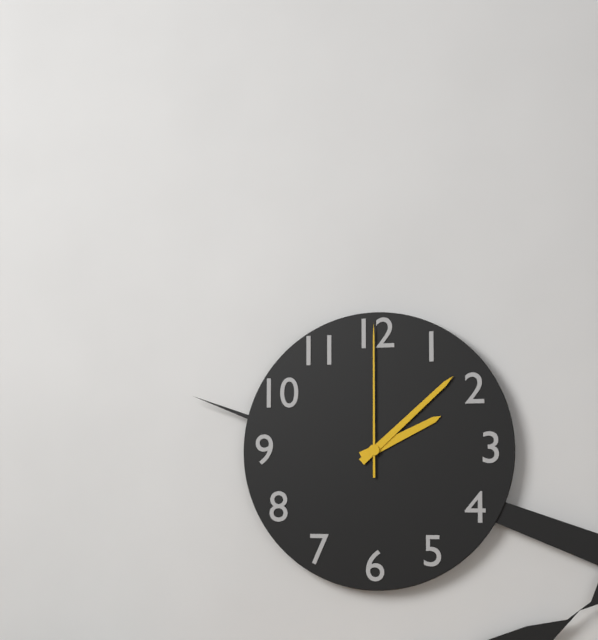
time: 2:08:00
